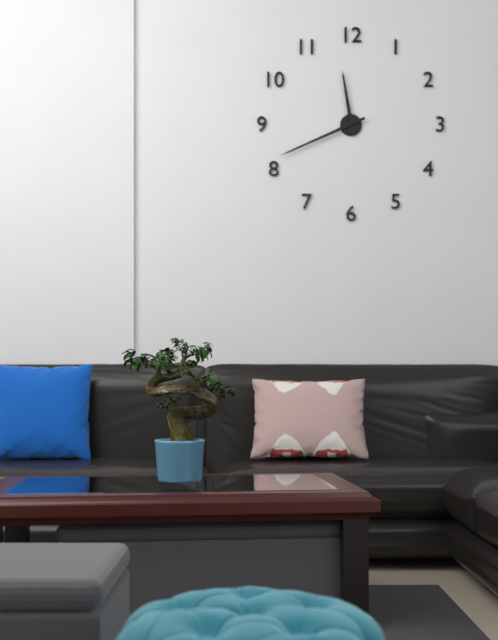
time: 11:41
